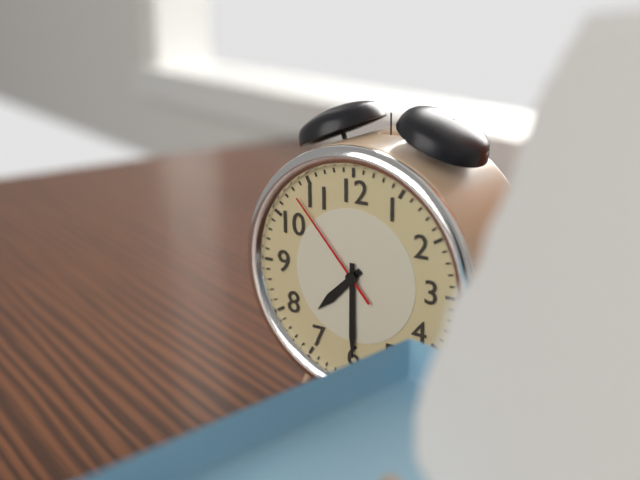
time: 7:30:53
